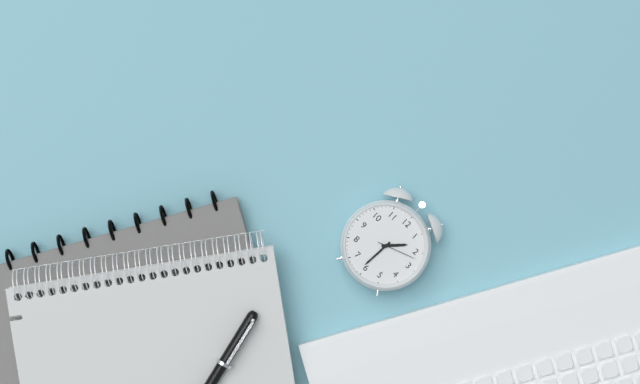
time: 1:31
